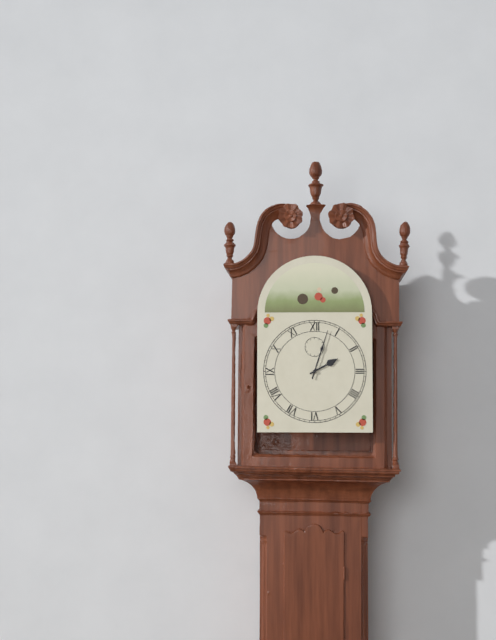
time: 2:03
